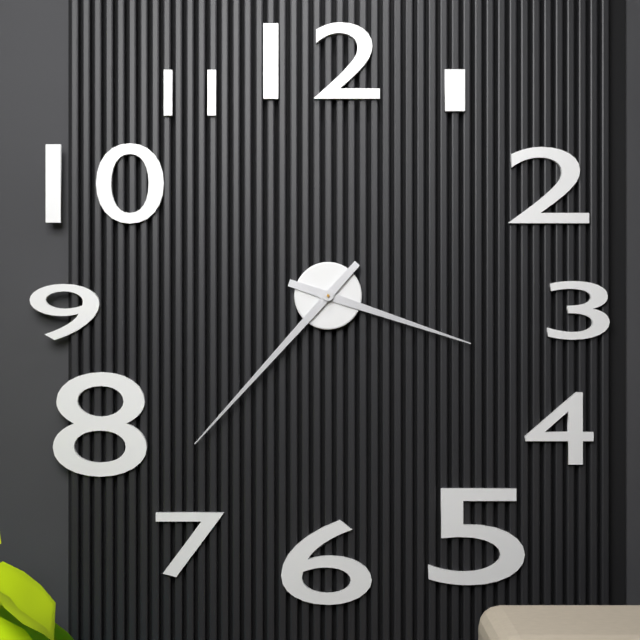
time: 3:37
